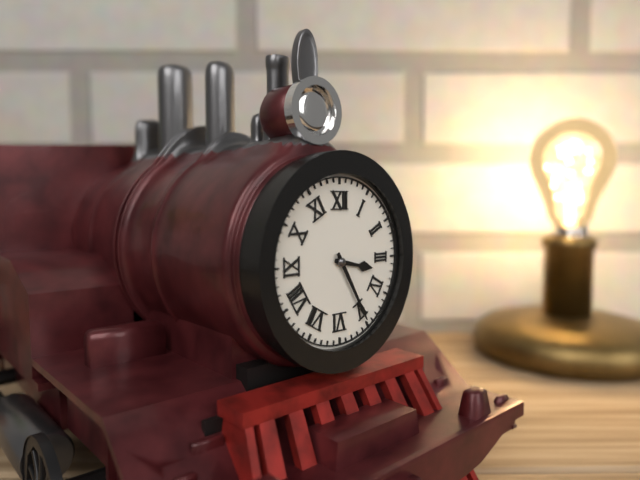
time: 3:25
